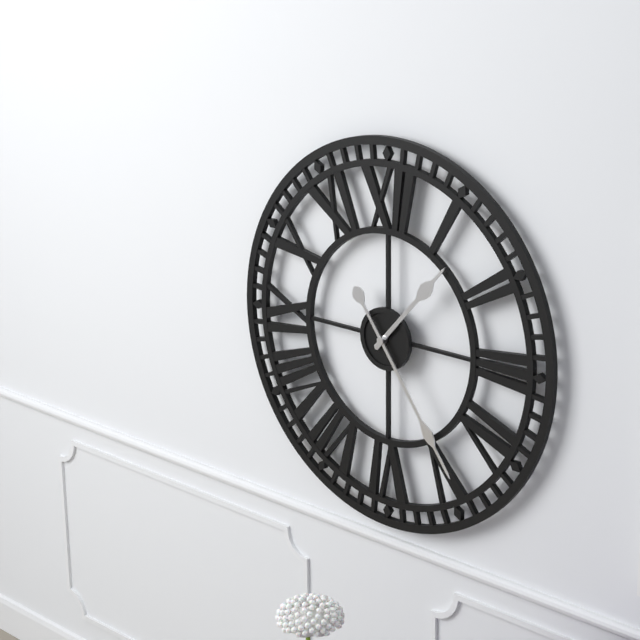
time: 1:24
